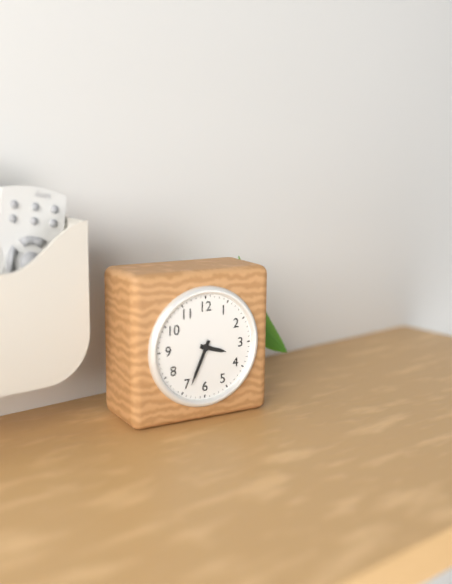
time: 3:34
